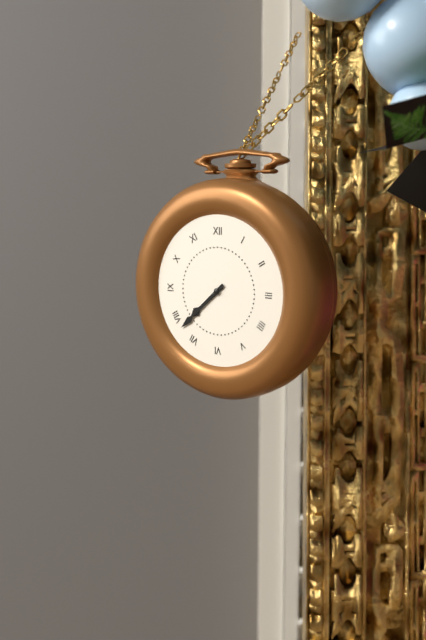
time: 7:38
